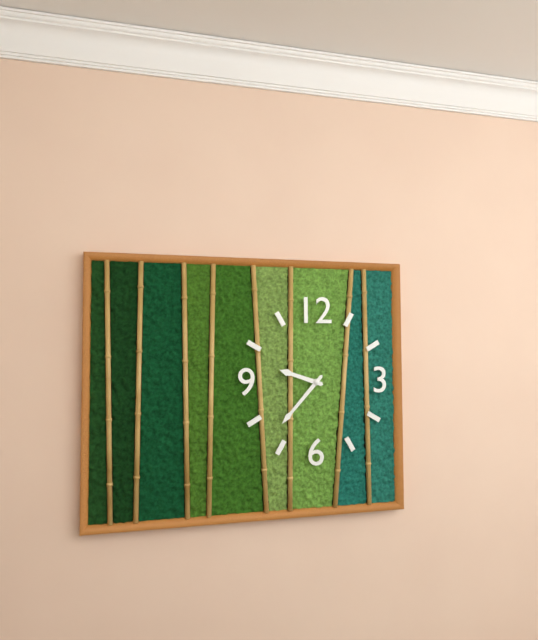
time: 9:37
